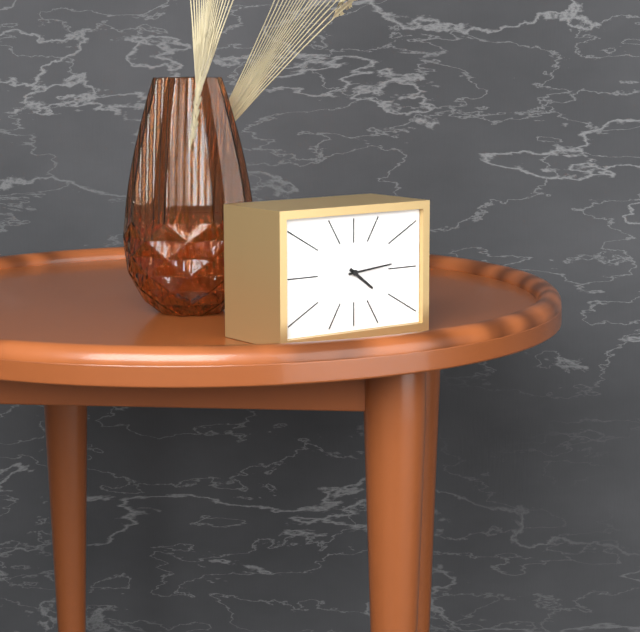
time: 4:14
